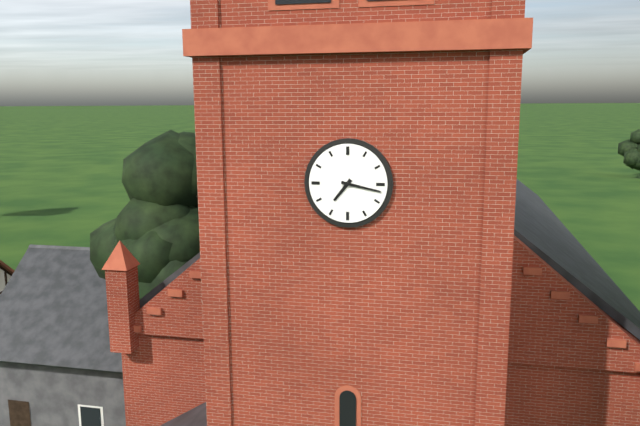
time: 7:17
